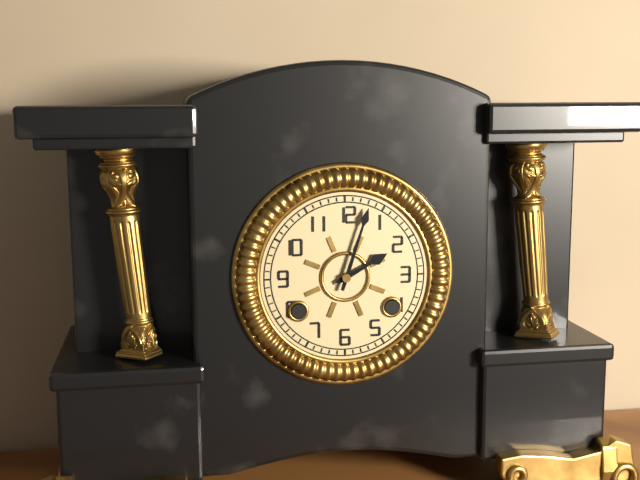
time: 2:03
